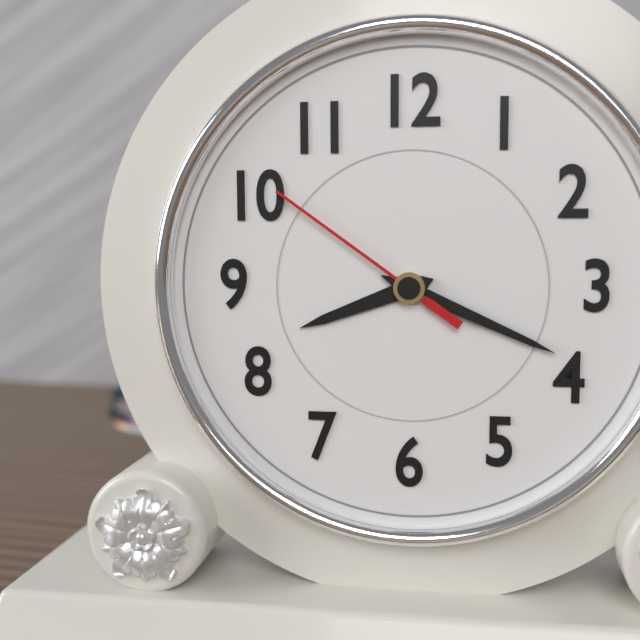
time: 8:19:51
